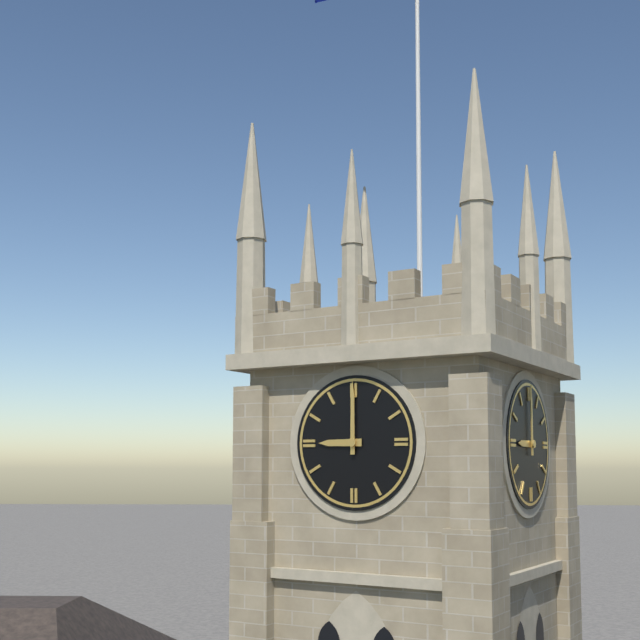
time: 9:00
